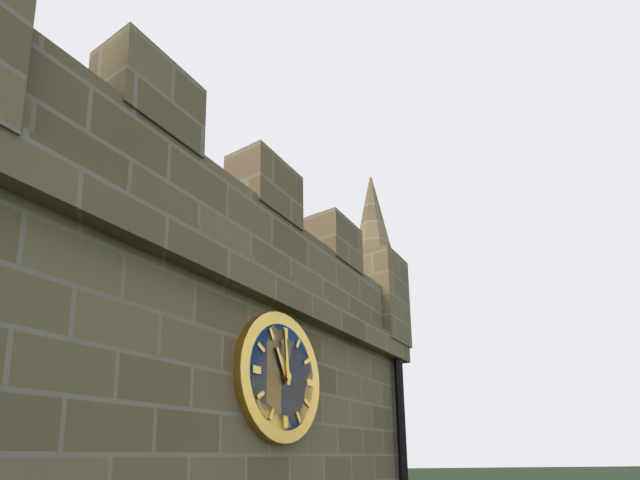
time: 10:59
